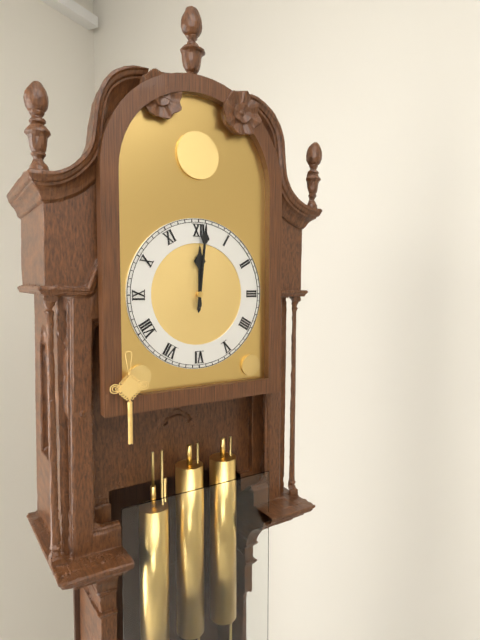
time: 12:01
